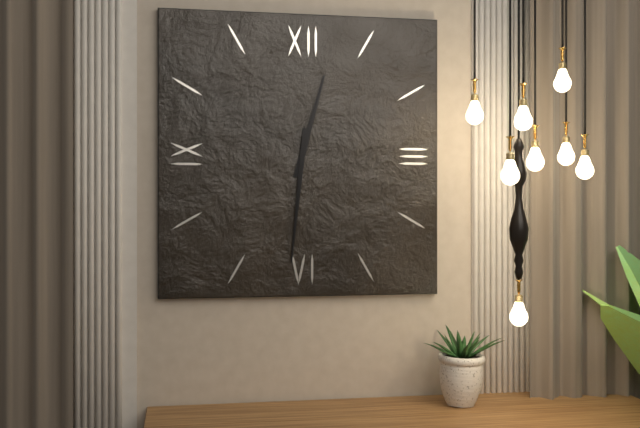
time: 12:31
